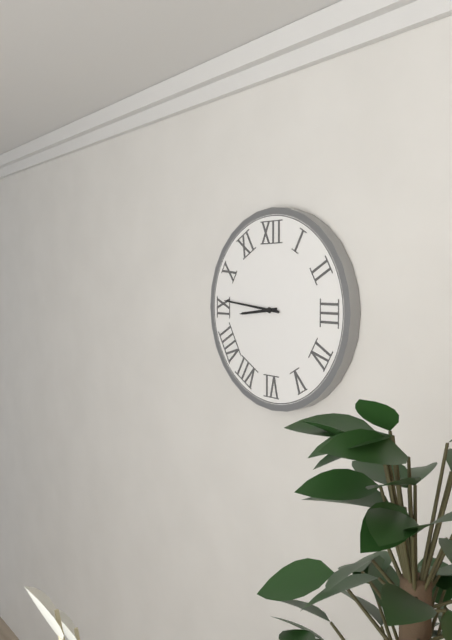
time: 8:46
